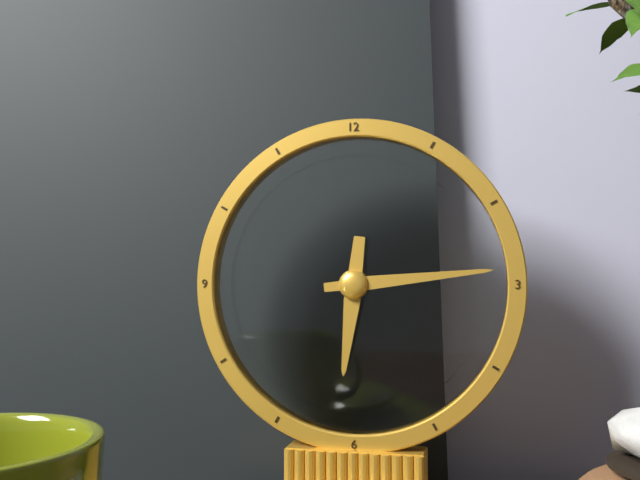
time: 6:14
